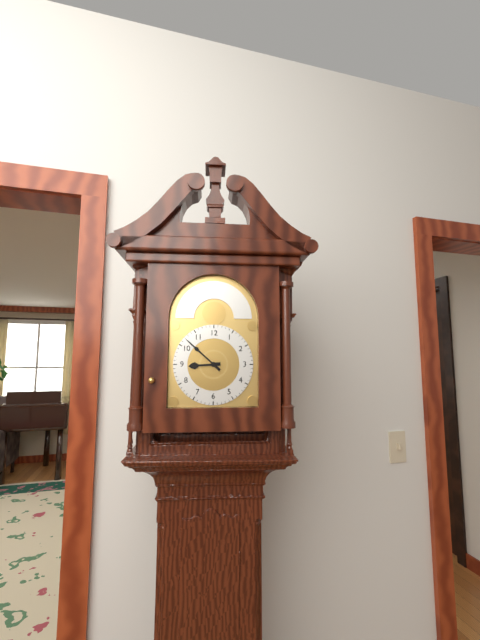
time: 8:52
